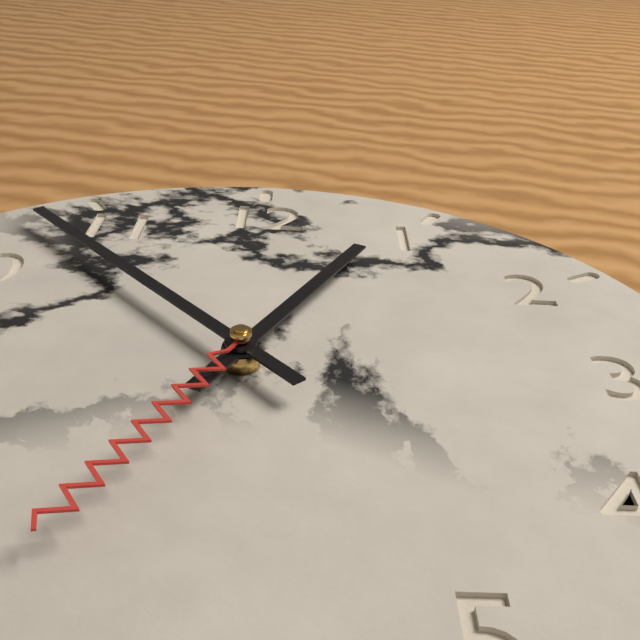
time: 12:53:34
